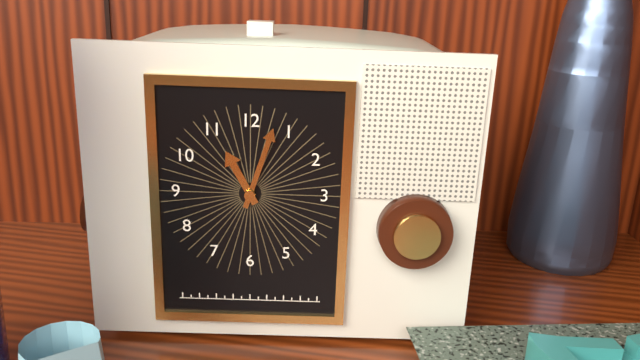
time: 11:03
